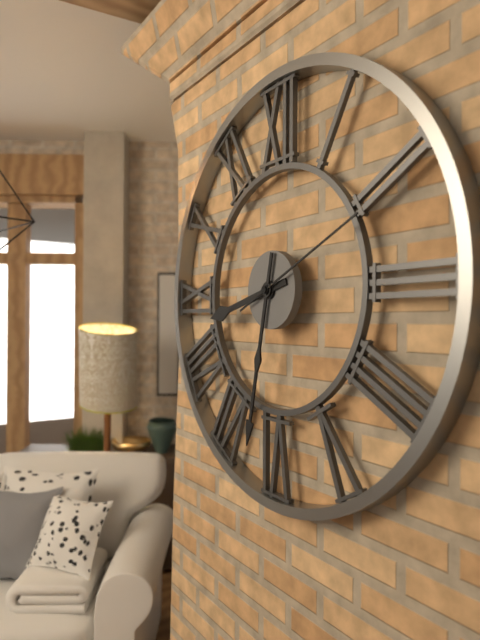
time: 8:32:11
